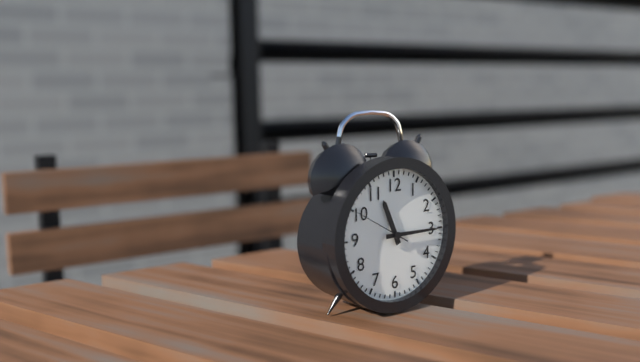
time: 11:15:50
